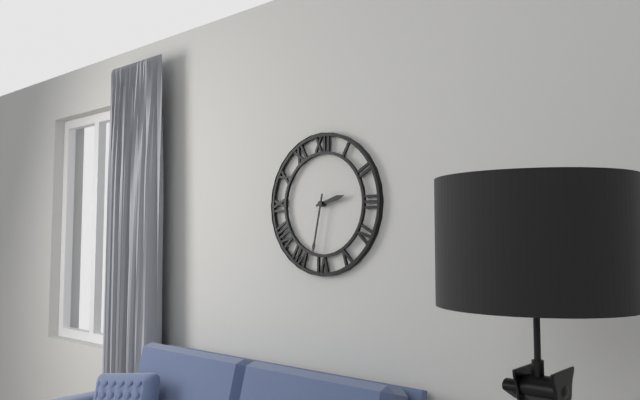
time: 2:32
